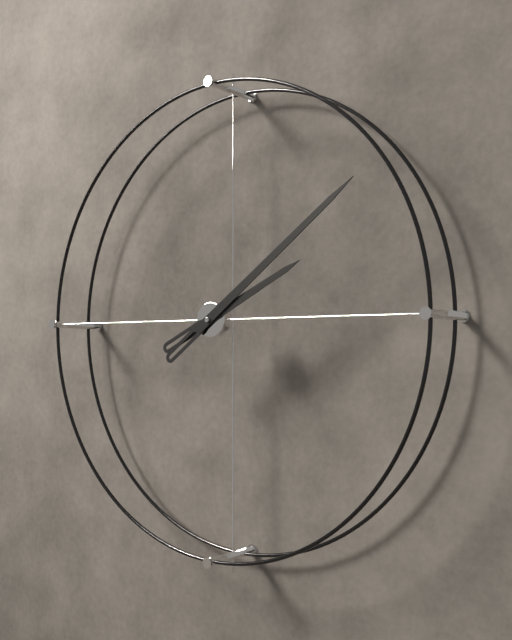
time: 2:09
